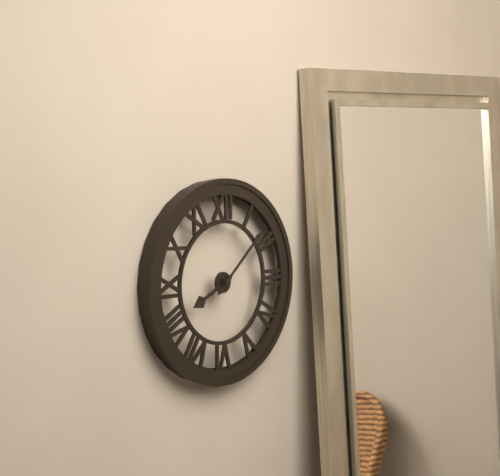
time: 8:08
